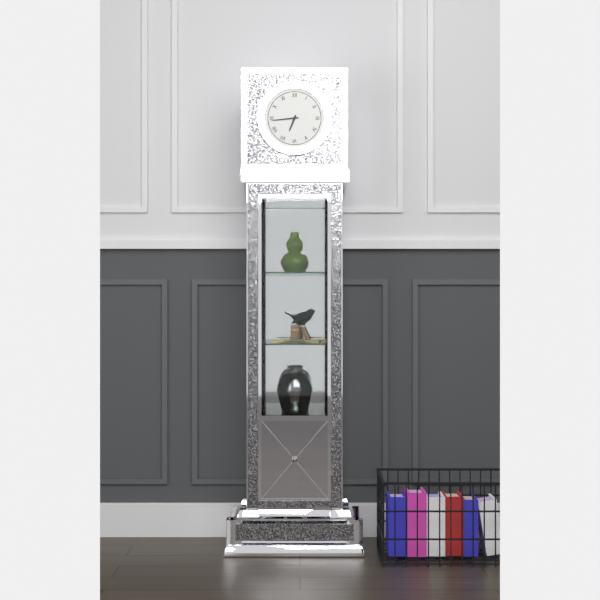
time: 6:44
